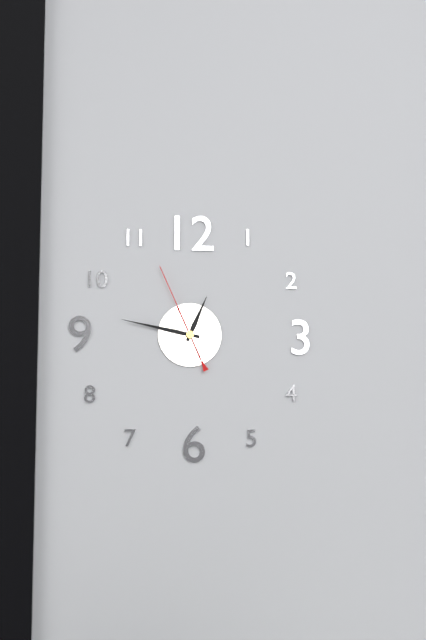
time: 12:47:56
